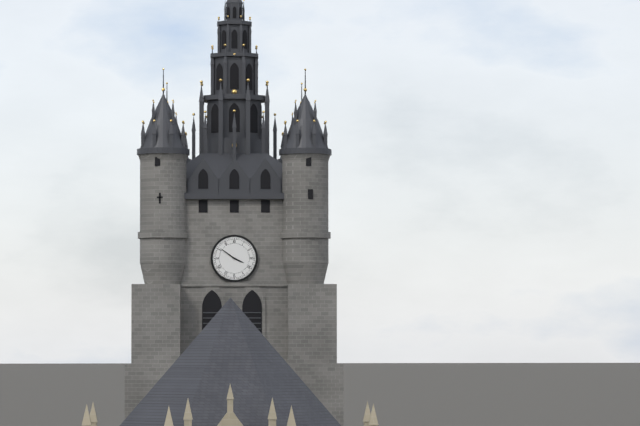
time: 3:51
